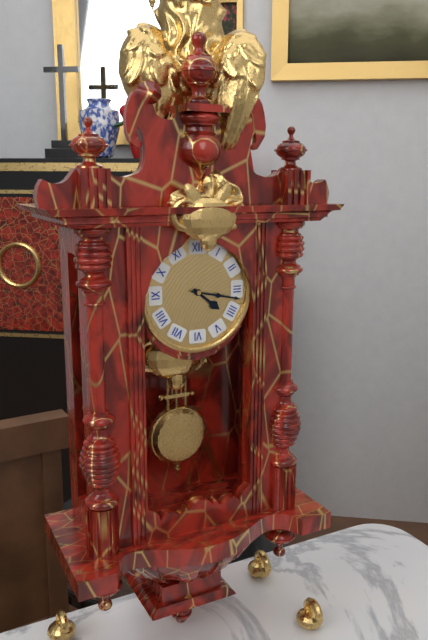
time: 4:17
